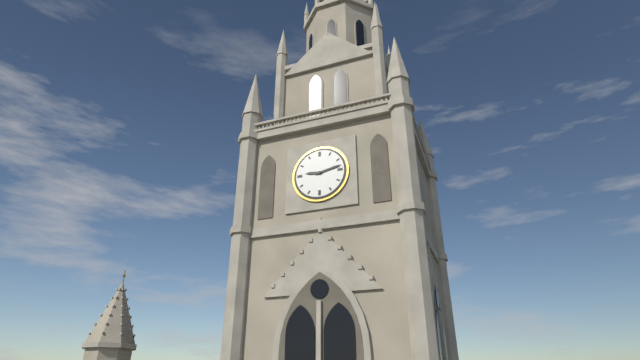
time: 9:13
